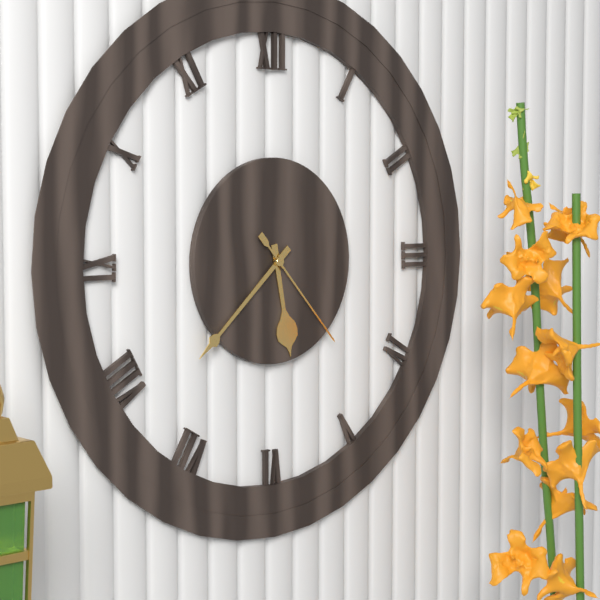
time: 5:38:23
